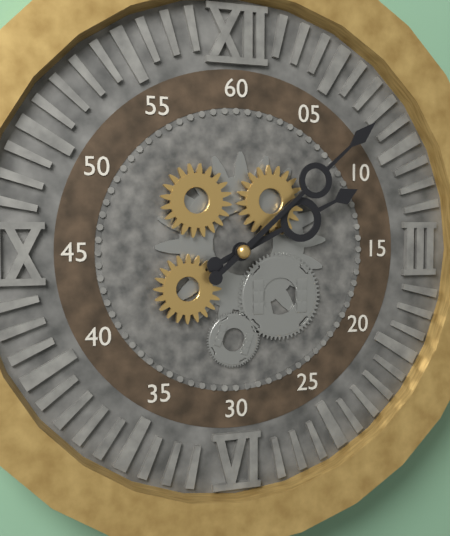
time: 2:08
